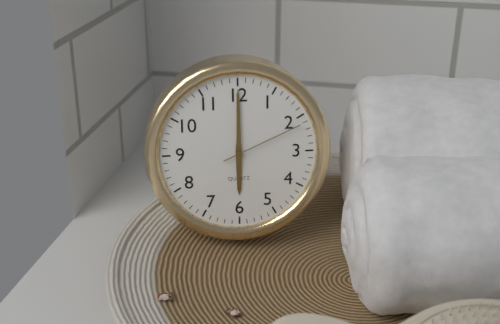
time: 6:00:11
